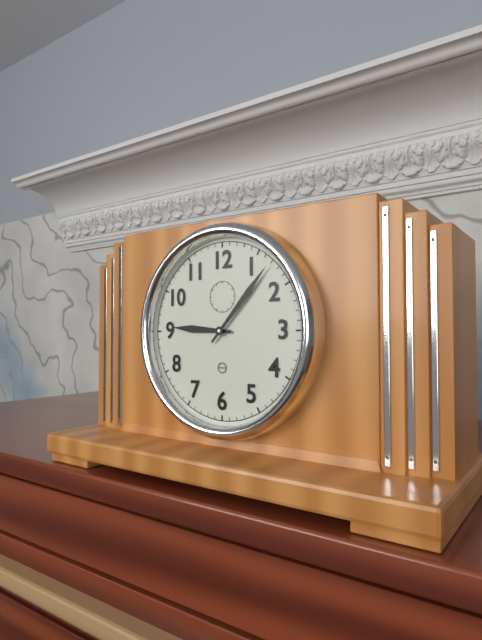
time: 9:07
